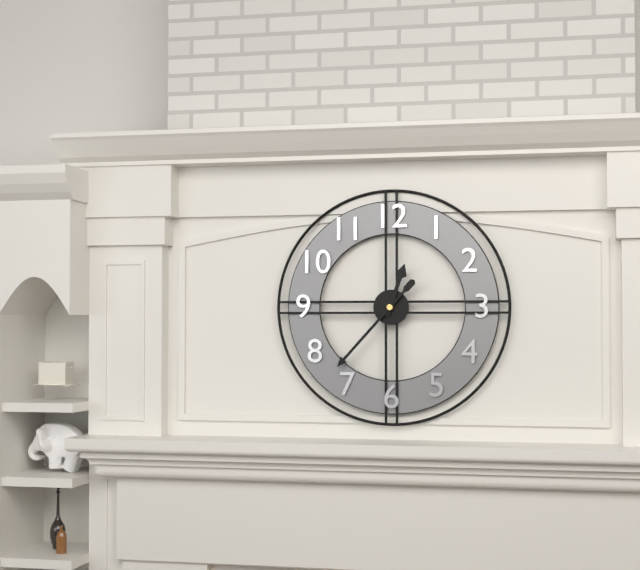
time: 12:37
